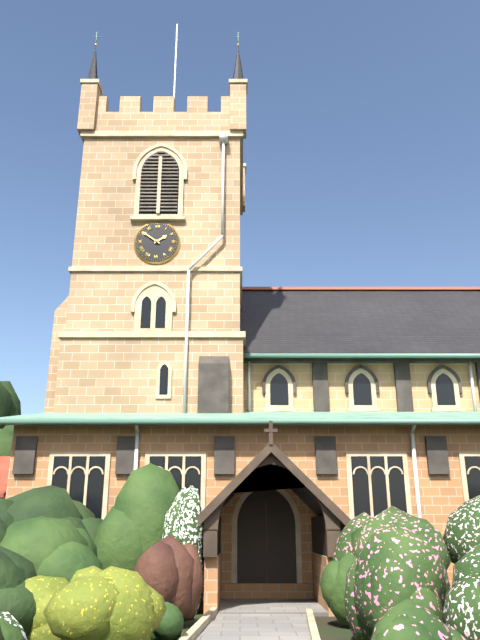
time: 1:51
